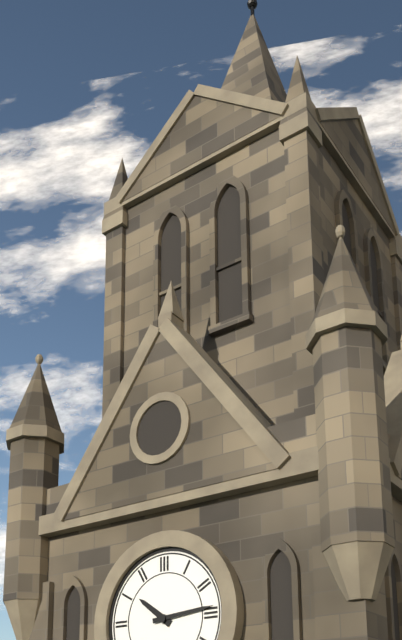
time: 10:14
